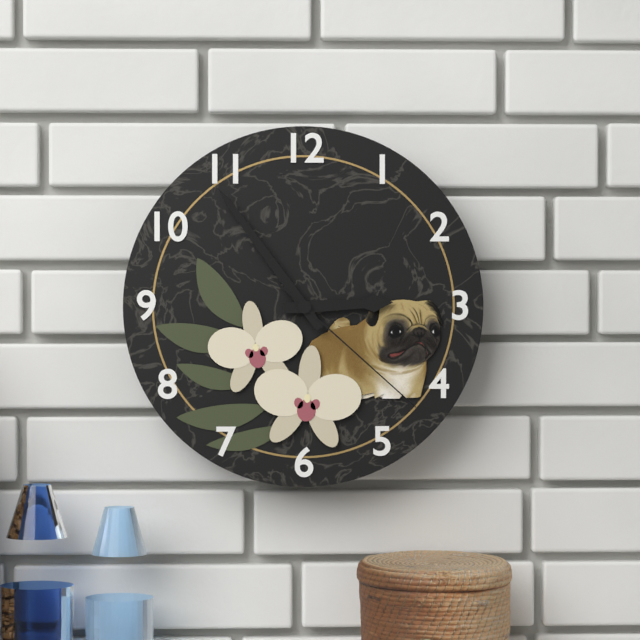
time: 2:54:22
